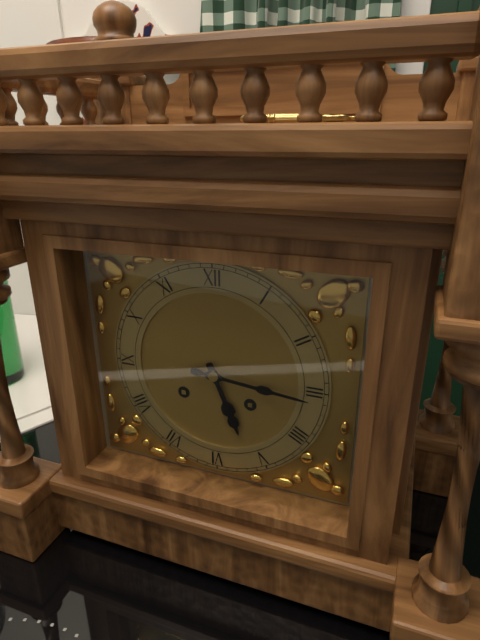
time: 5:16
